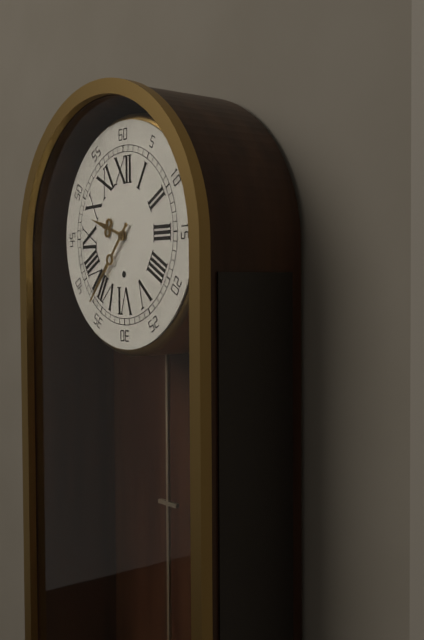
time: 9:37
